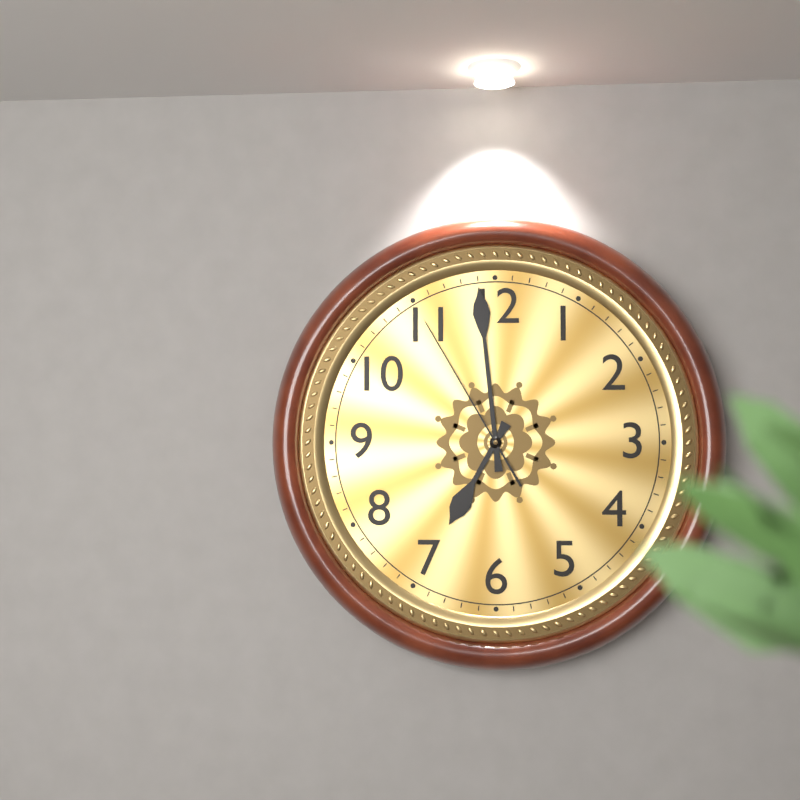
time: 6:59:55
